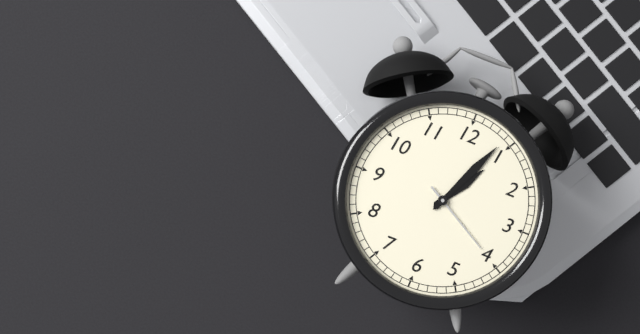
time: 1:04:20
